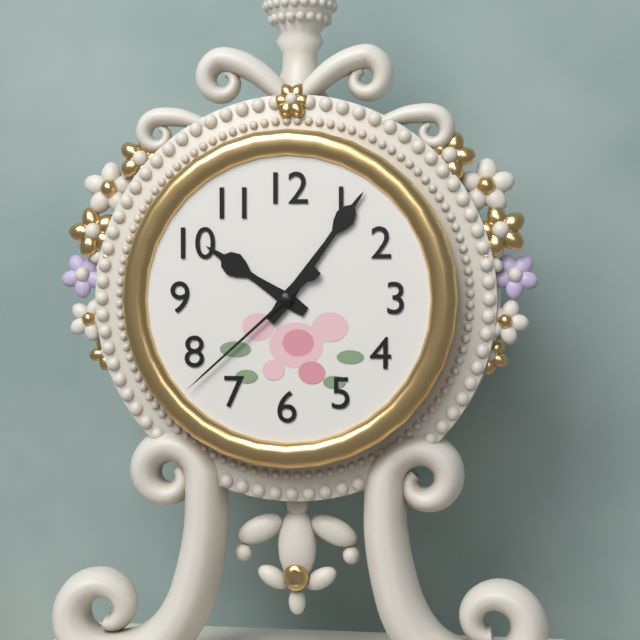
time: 10:06:38
